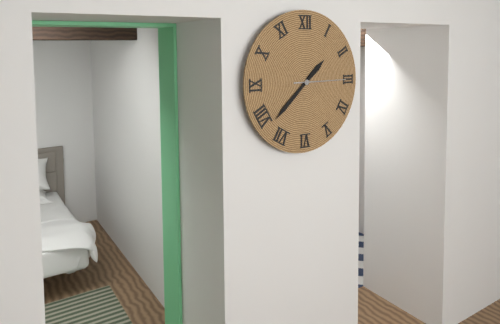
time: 1:38:15
